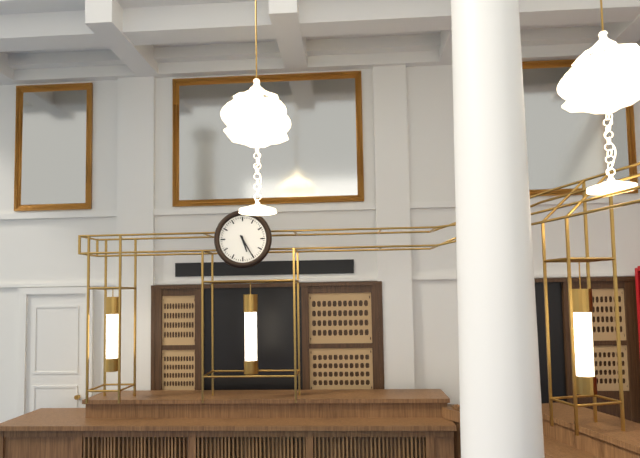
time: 5:25
